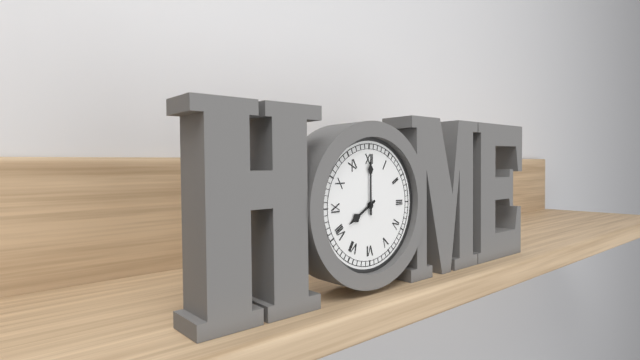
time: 8:00
